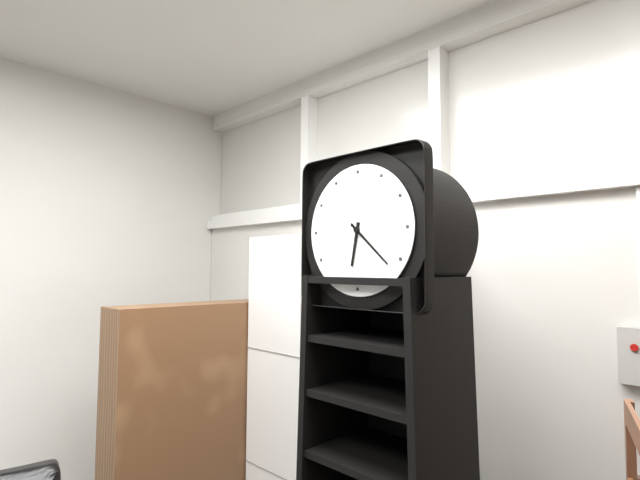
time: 6:22
